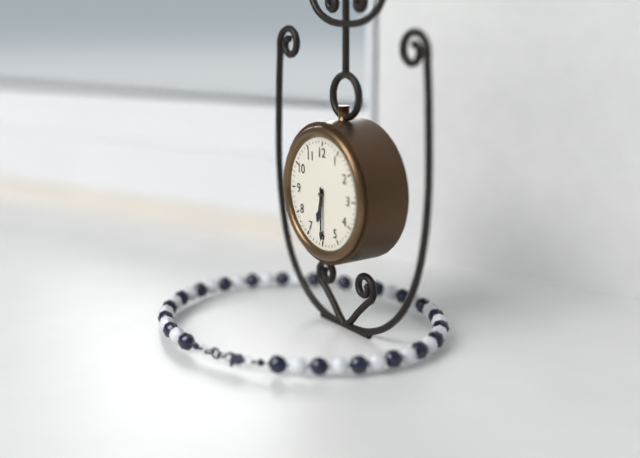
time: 6:30
